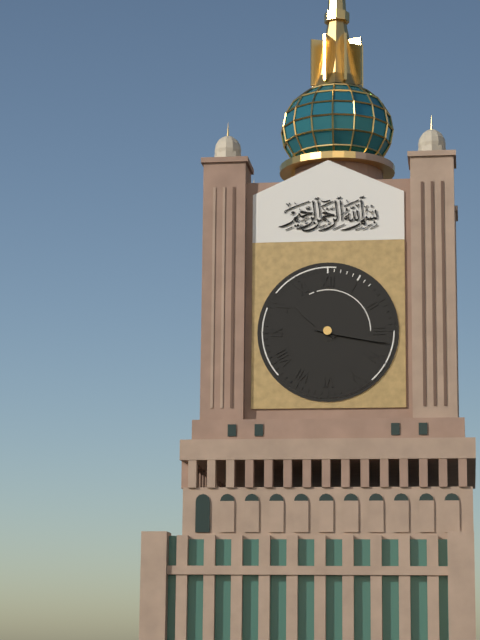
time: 10:17
